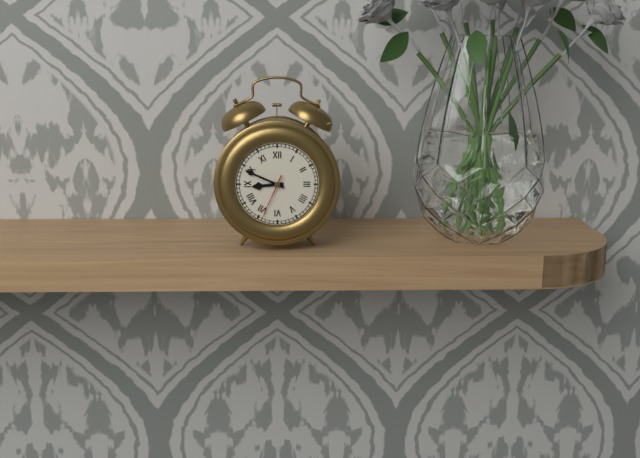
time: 8:49
